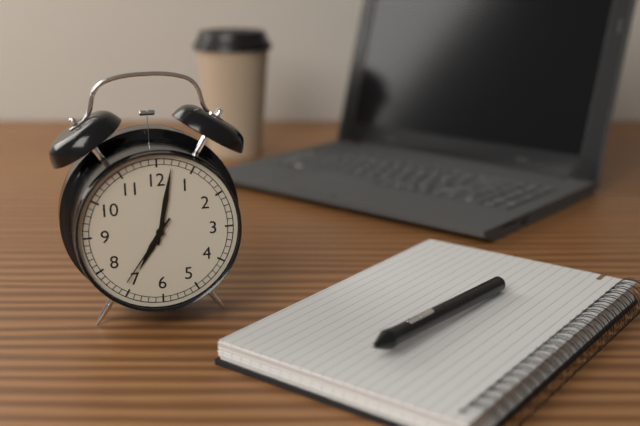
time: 7:02:36
